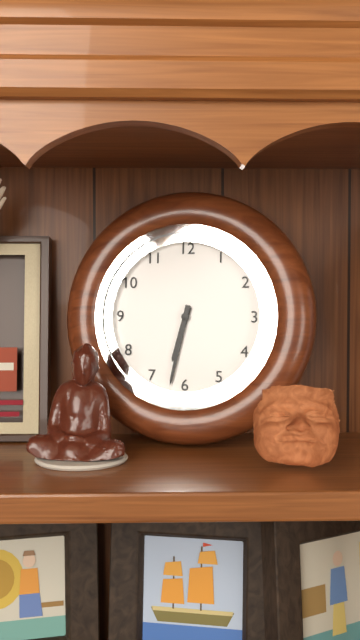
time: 6:32
